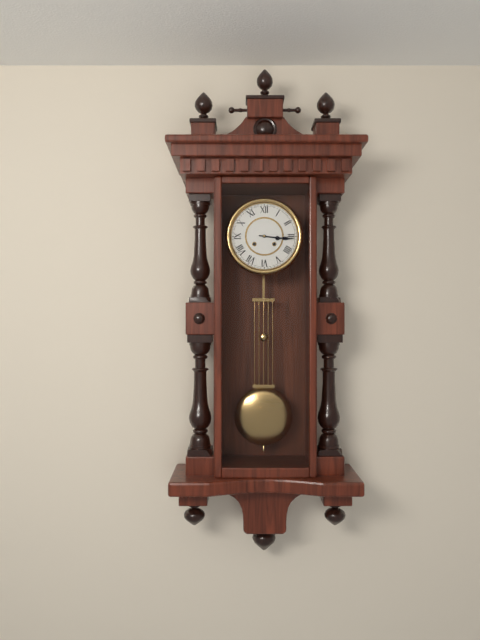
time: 3:16
